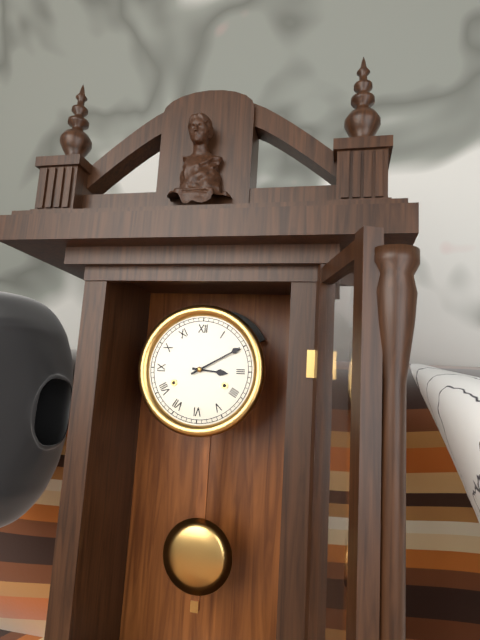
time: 3:10
